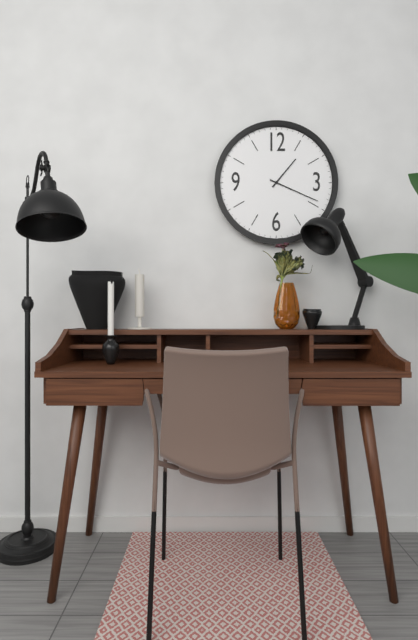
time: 1:19
